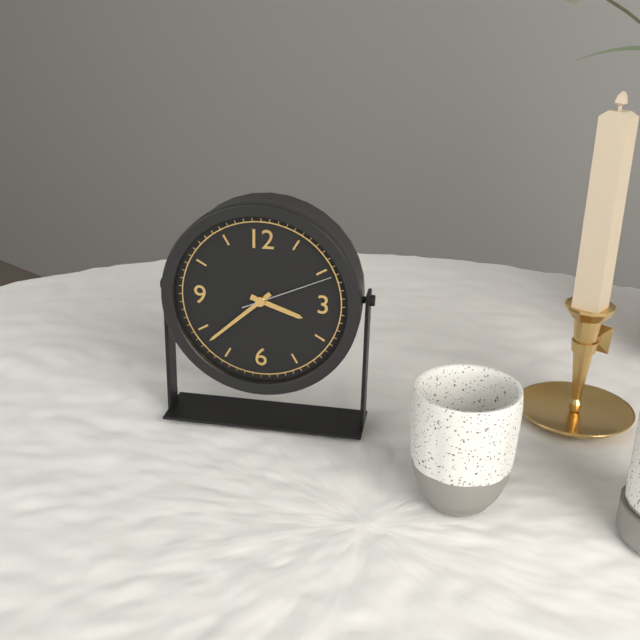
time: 3:38:11
